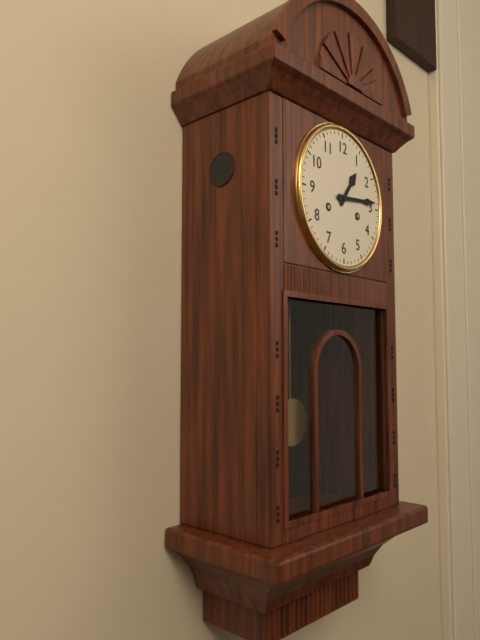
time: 1:14
